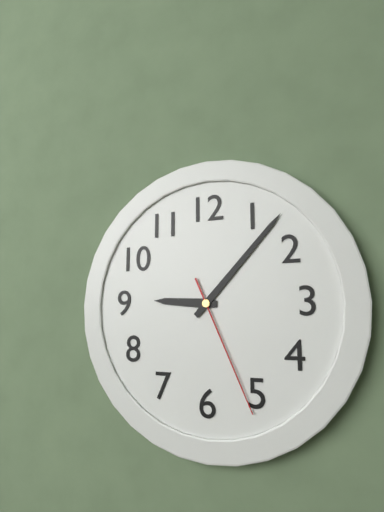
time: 9:07:26
